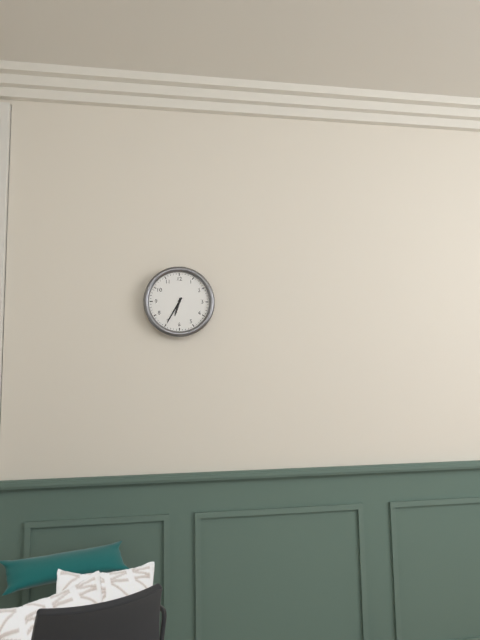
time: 6:35
